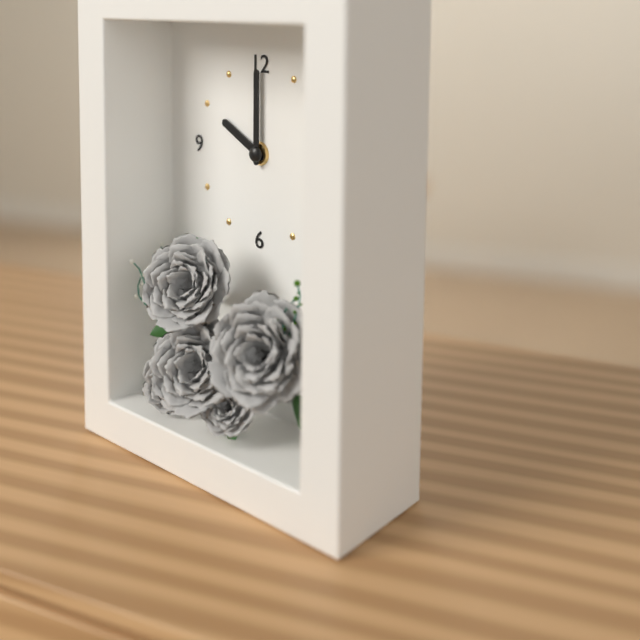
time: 10:00
